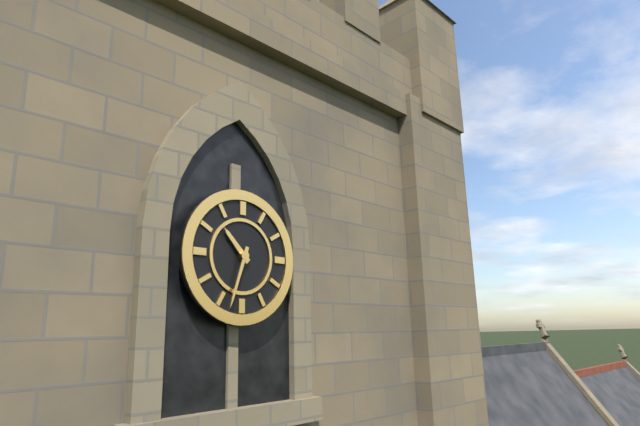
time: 10:33
